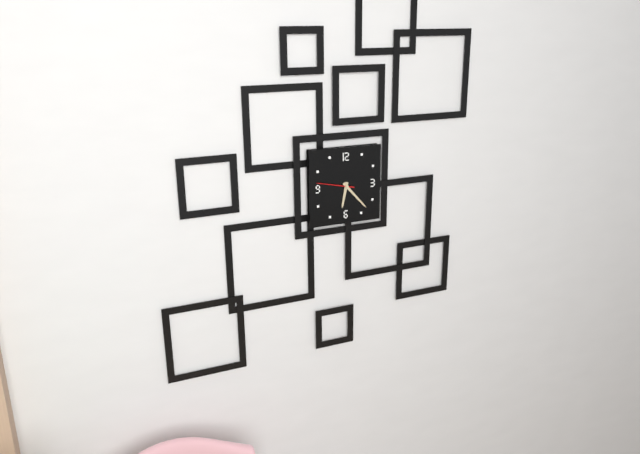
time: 6:23
